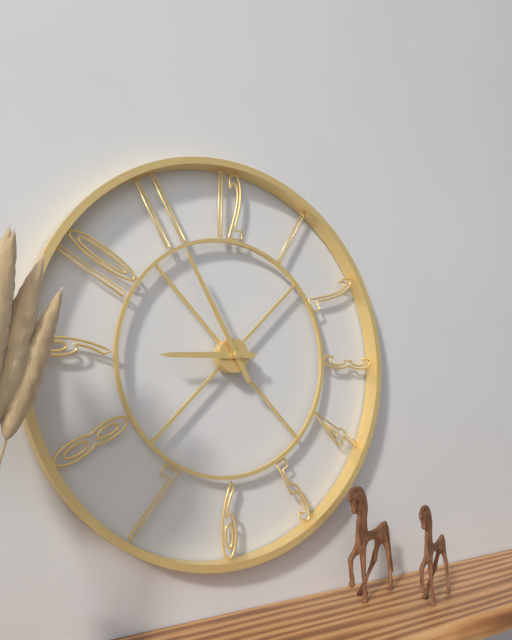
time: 8:55
